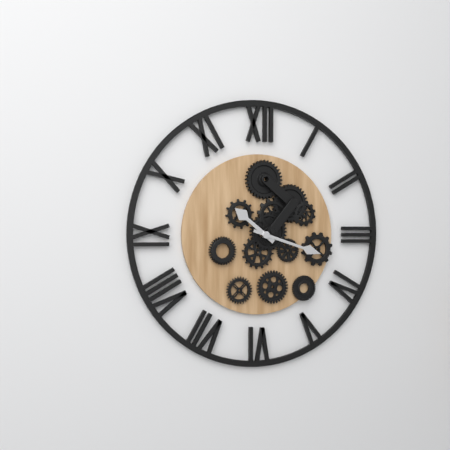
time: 10:18
